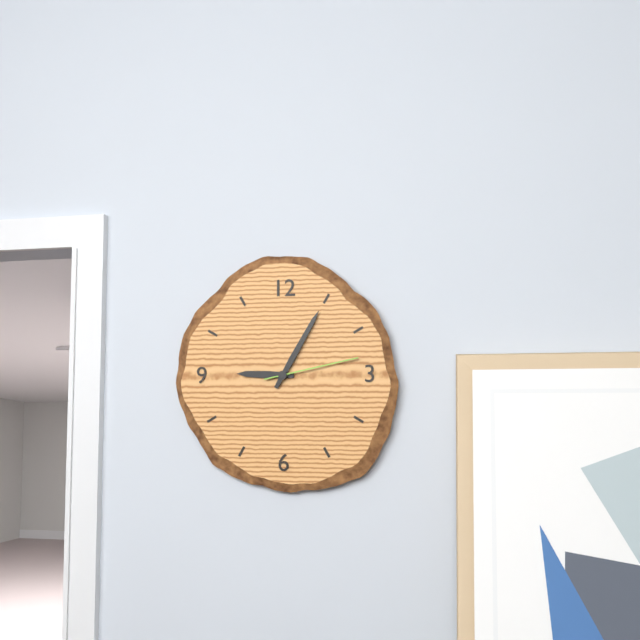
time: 9:05:13
